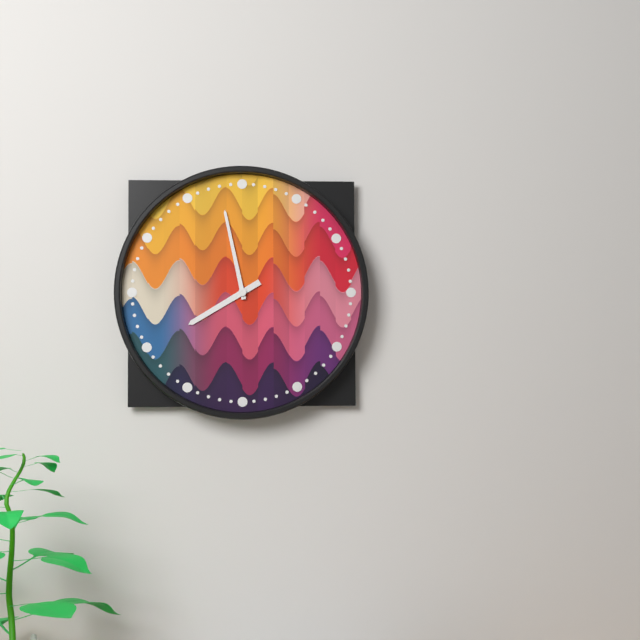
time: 7:58
